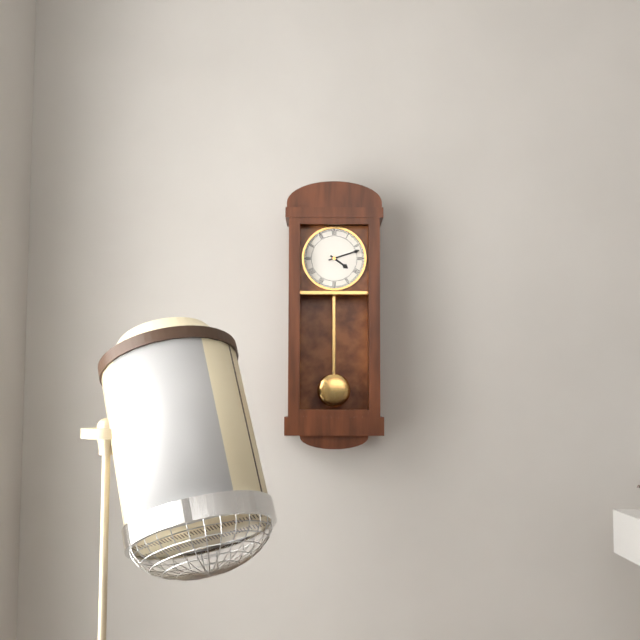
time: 4:12
